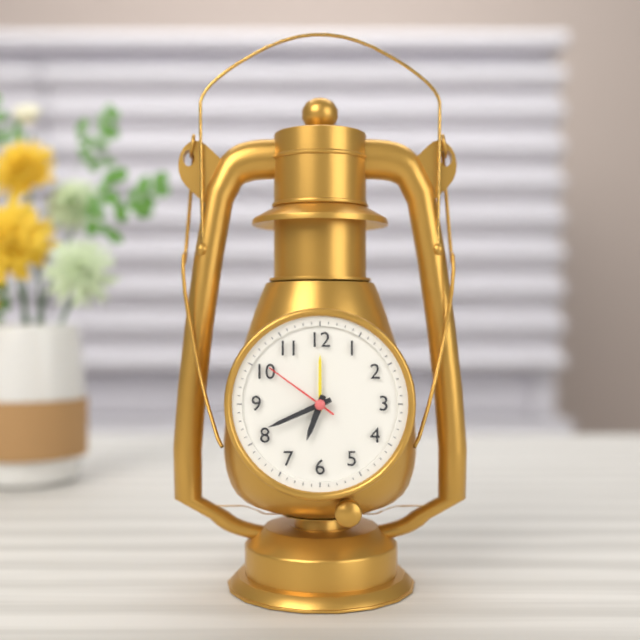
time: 6:41:51
